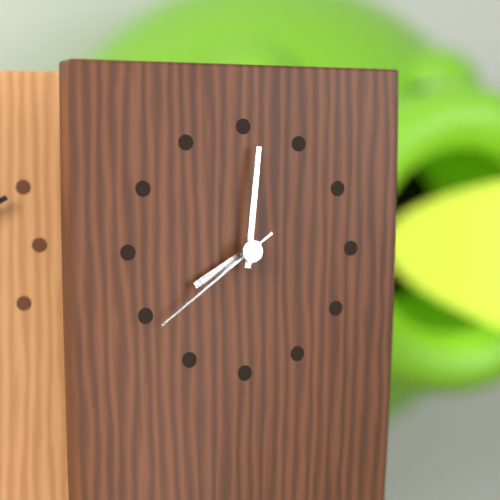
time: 8:01:39
